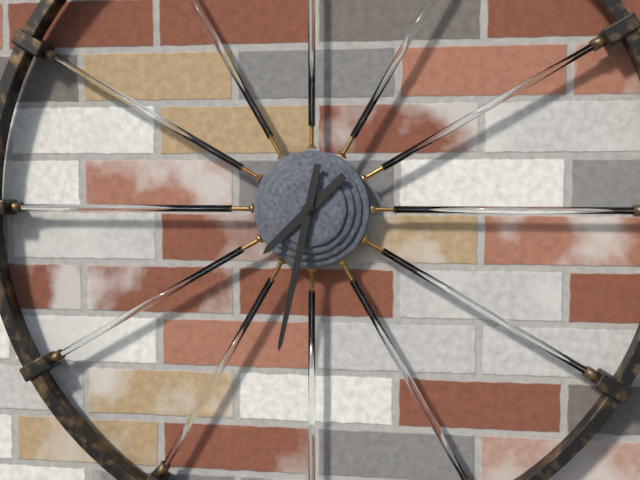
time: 7:32
